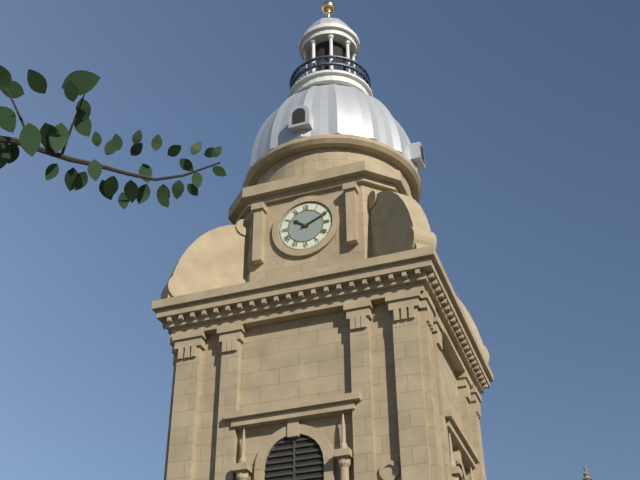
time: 10:11
